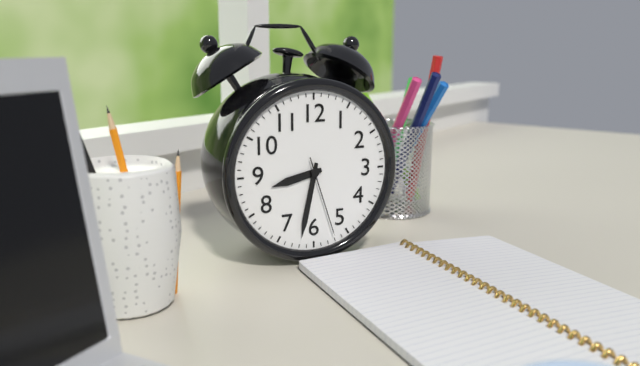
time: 8:32:27
